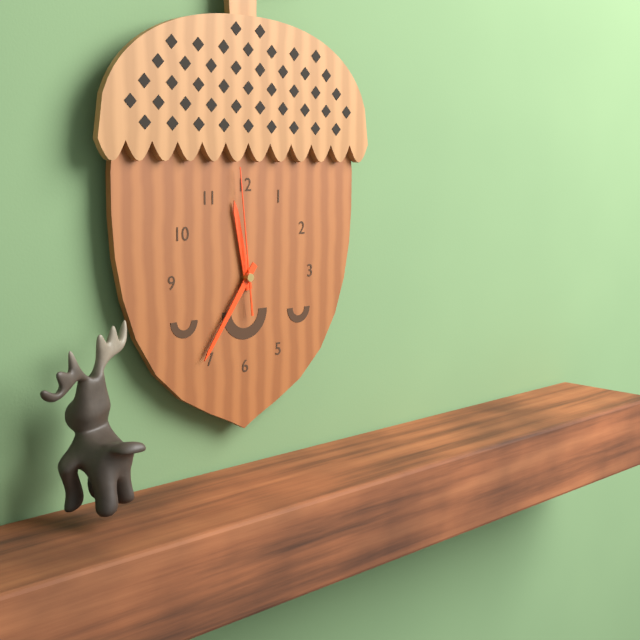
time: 11:36:59
